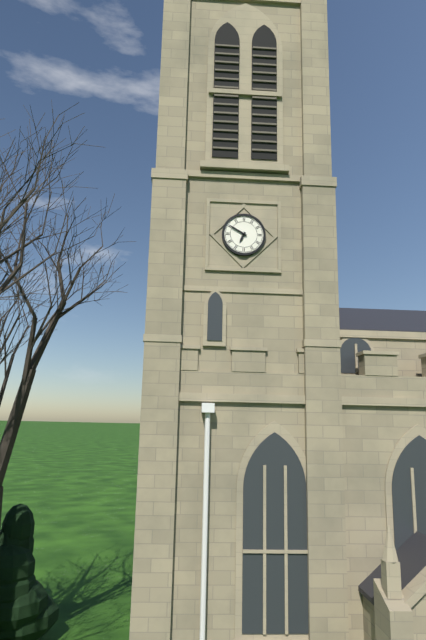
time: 6:50
